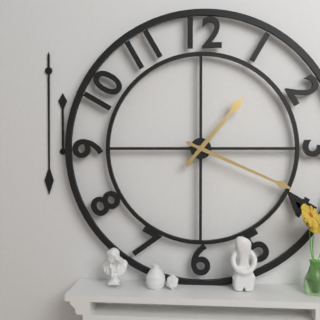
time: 1:19
